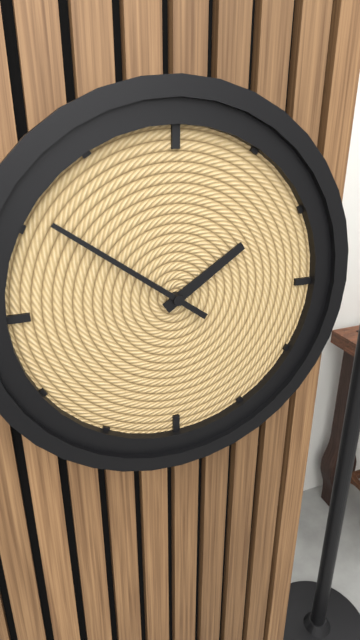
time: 1:51
